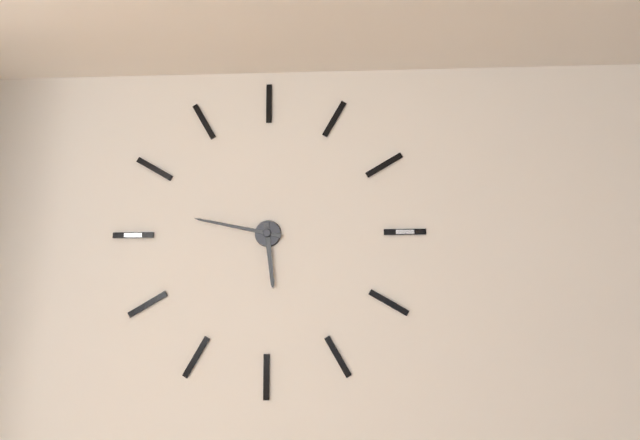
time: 5:47
